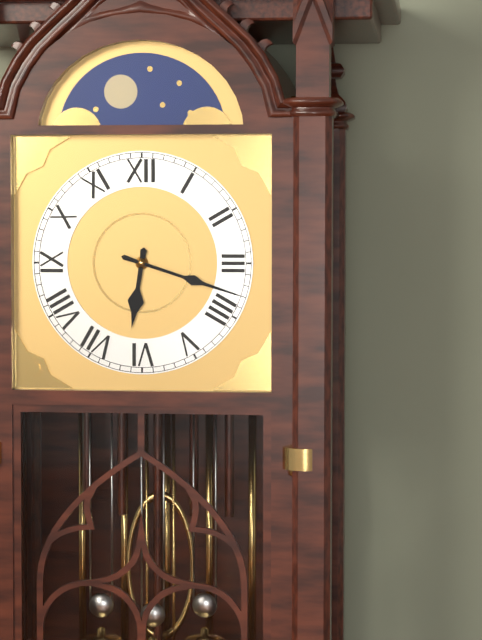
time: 6:18
